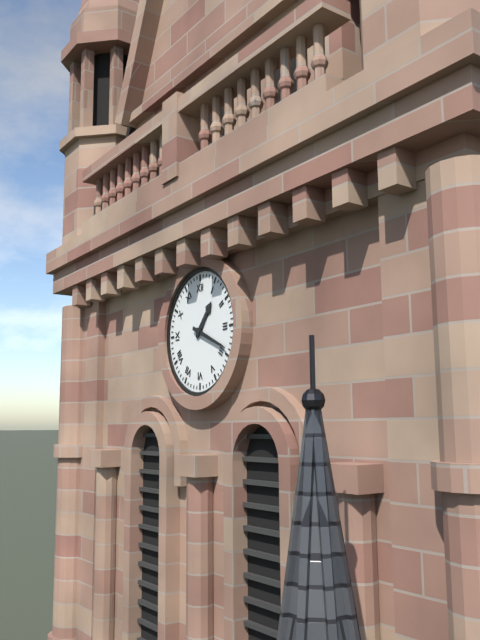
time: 1:19
